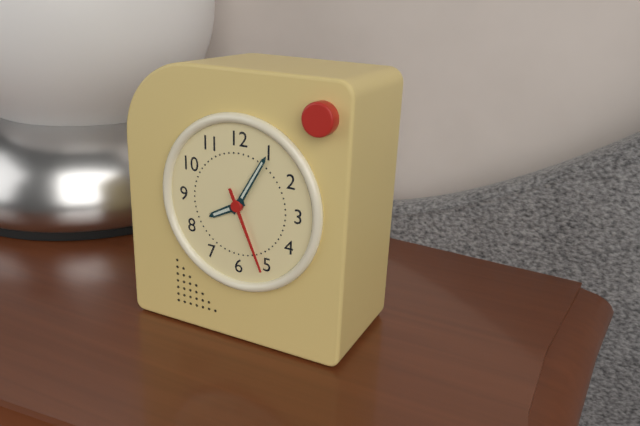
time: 8:05:26
